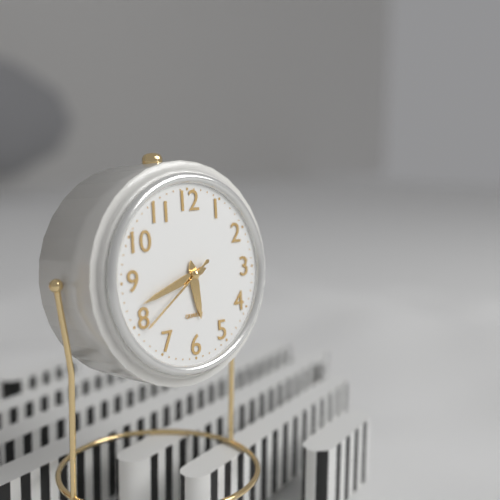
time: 5:42:39
